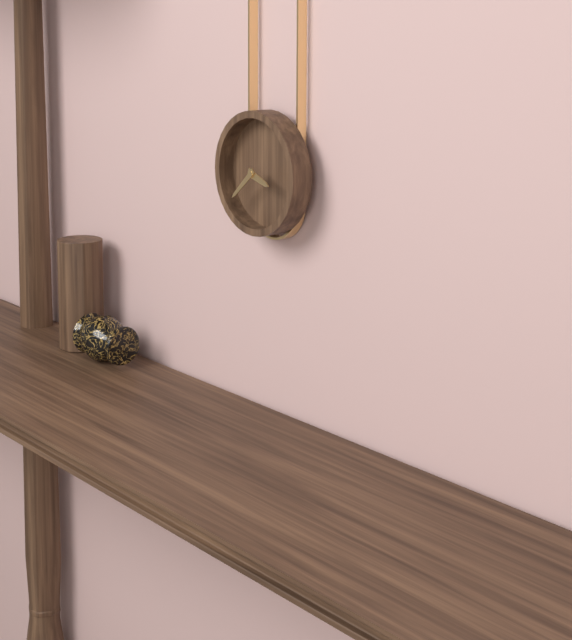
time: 3:38
